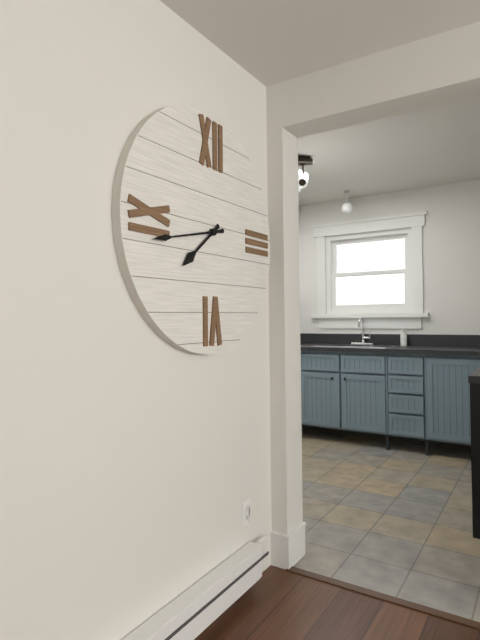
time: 7:43
